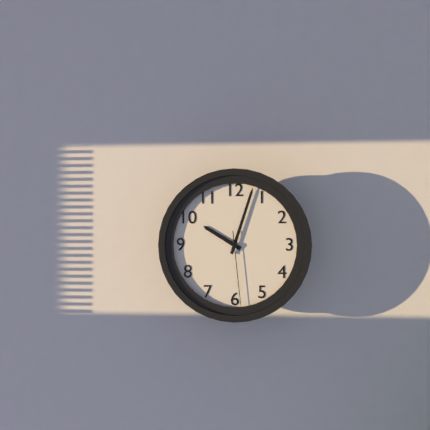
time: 10:03:29
